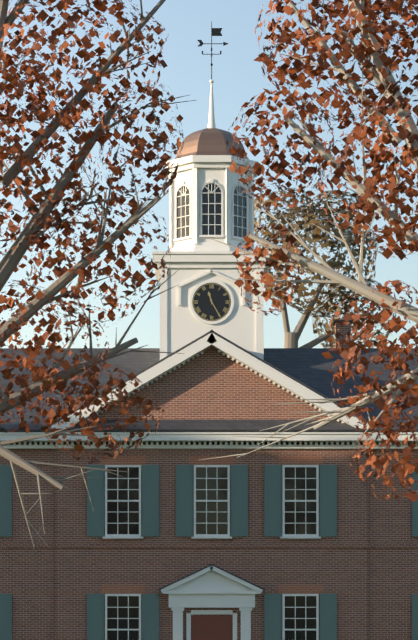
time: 11:25
